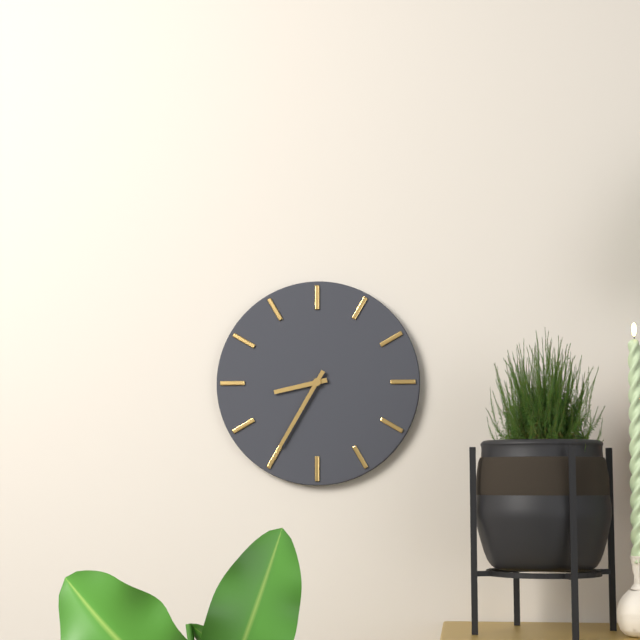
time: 8:35
